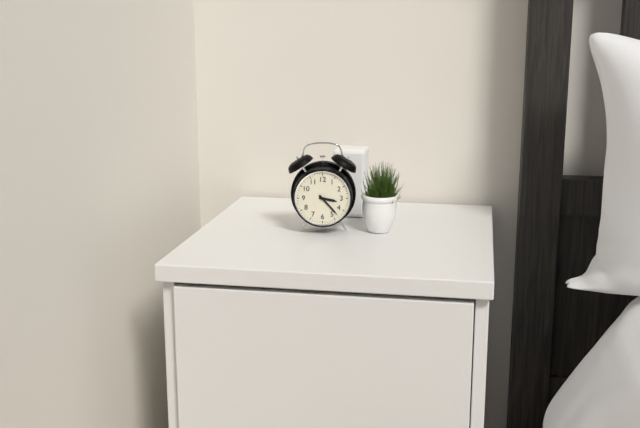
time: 3:23
